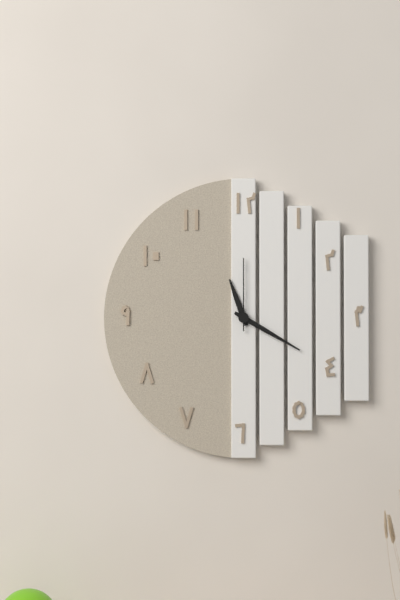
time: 11:20:00
